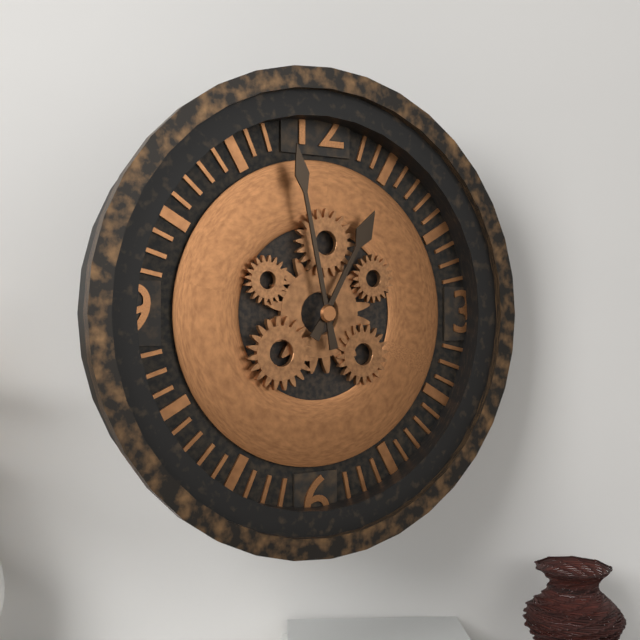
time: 12:58
